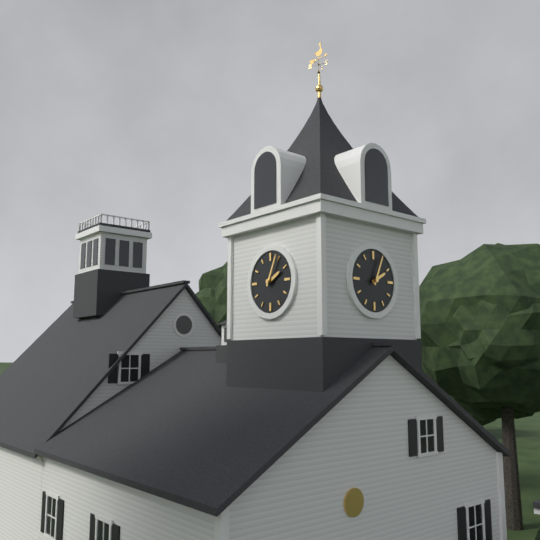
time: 2:04
